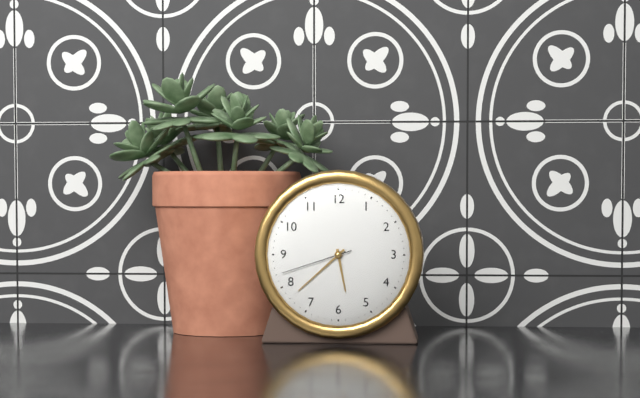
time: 5:38:42
